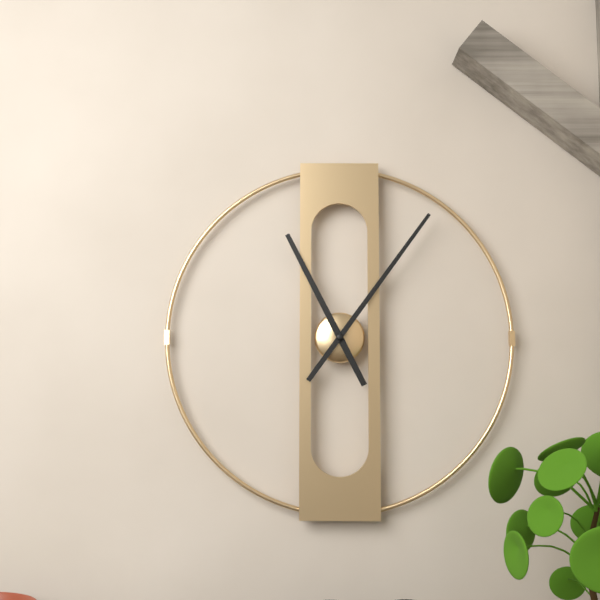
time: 11:06
